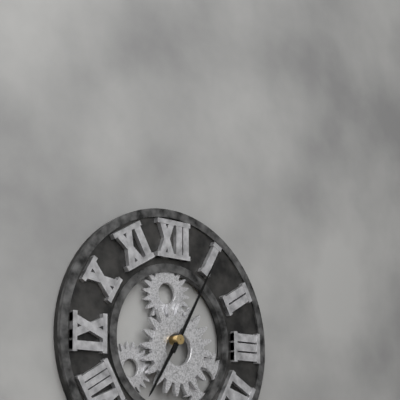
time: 7:05
